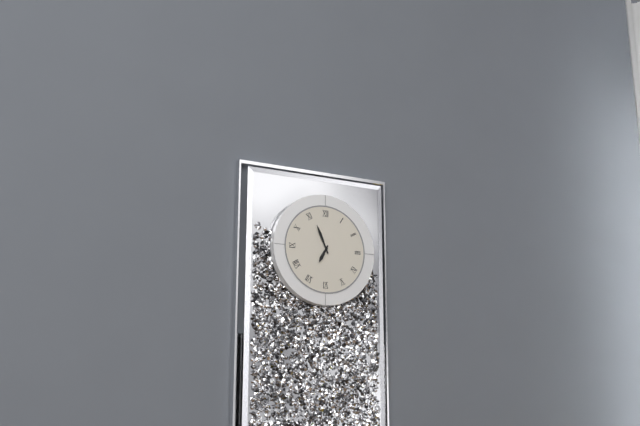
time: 6:56
